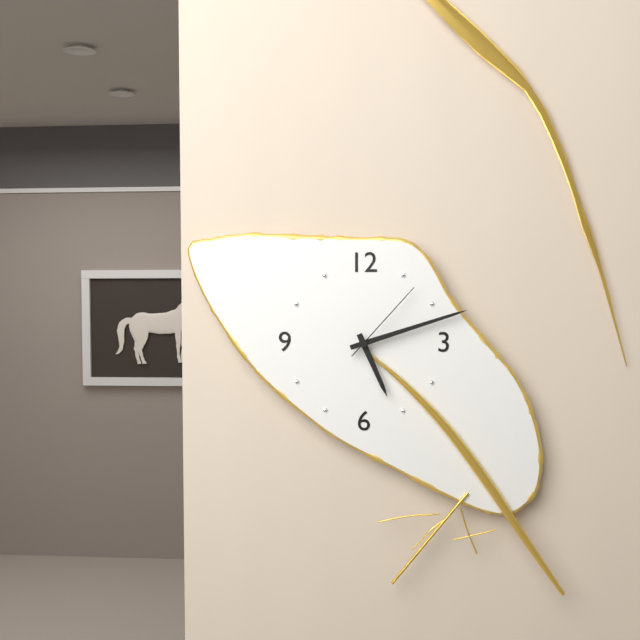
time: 5:12:07
